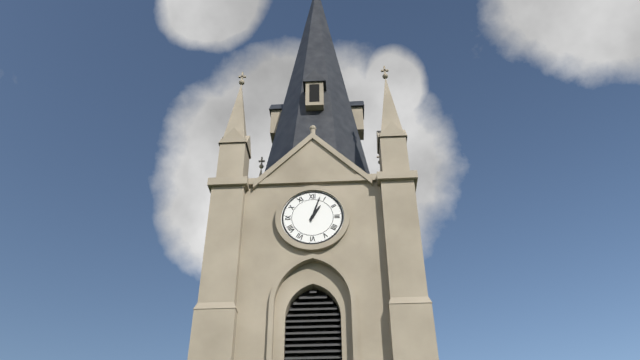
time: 1:03
